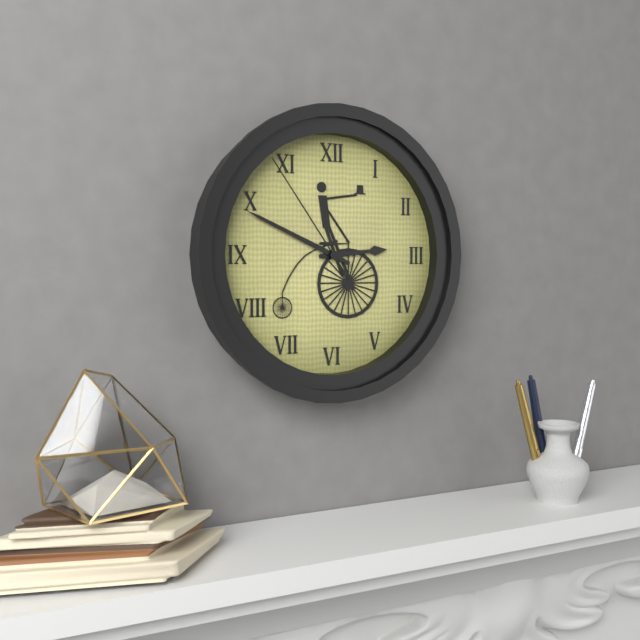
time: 2:49:54
